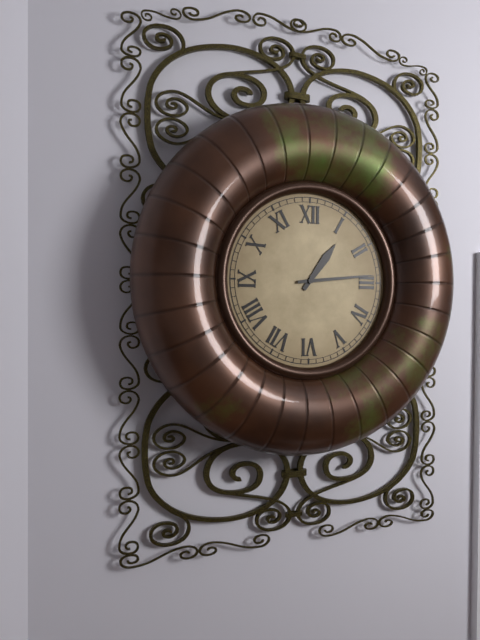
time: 1:14
